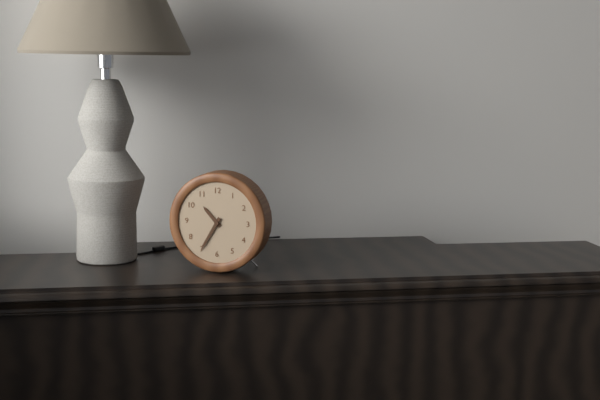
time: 10:35
